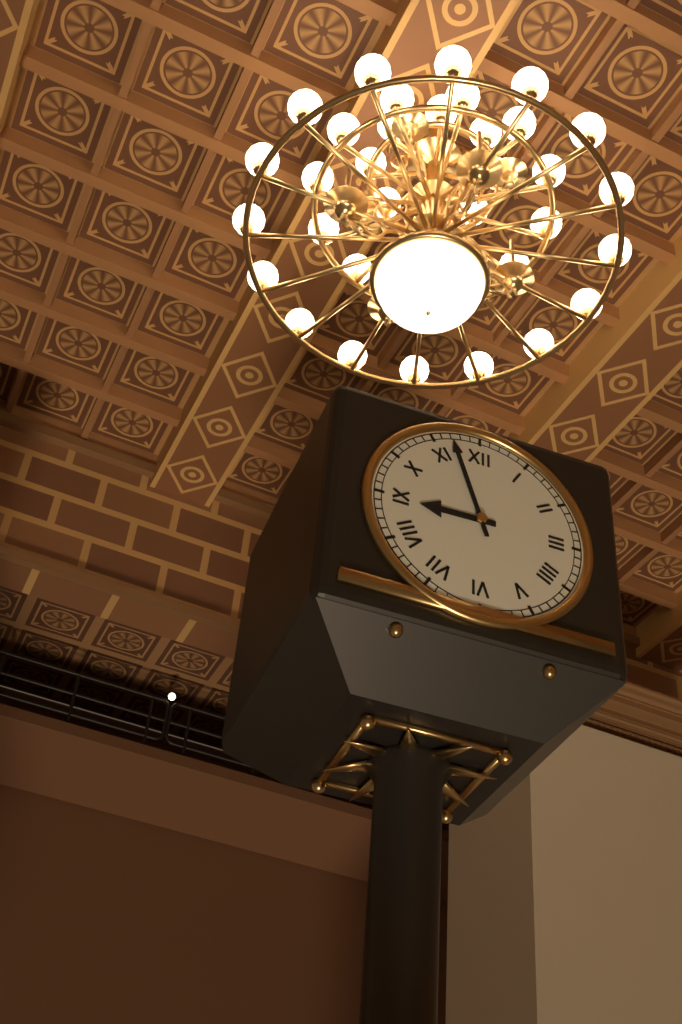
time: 8:57
